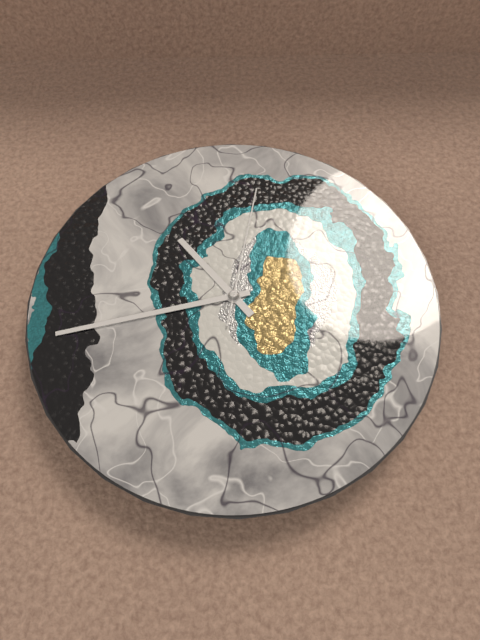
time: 10:43:02
